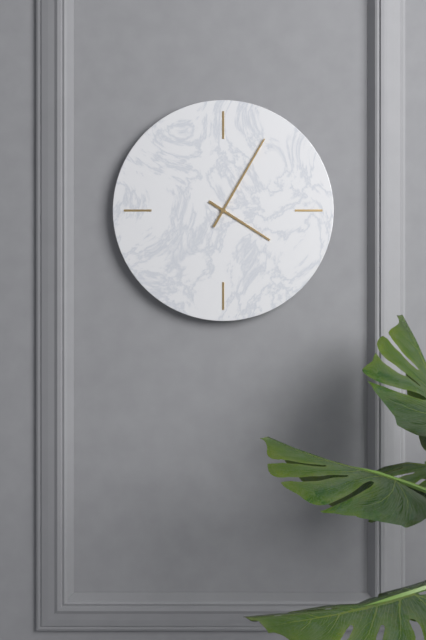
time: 4:05
